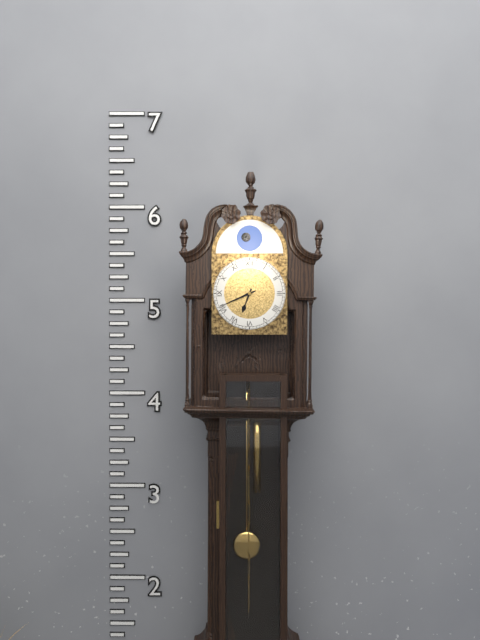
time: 6:41
